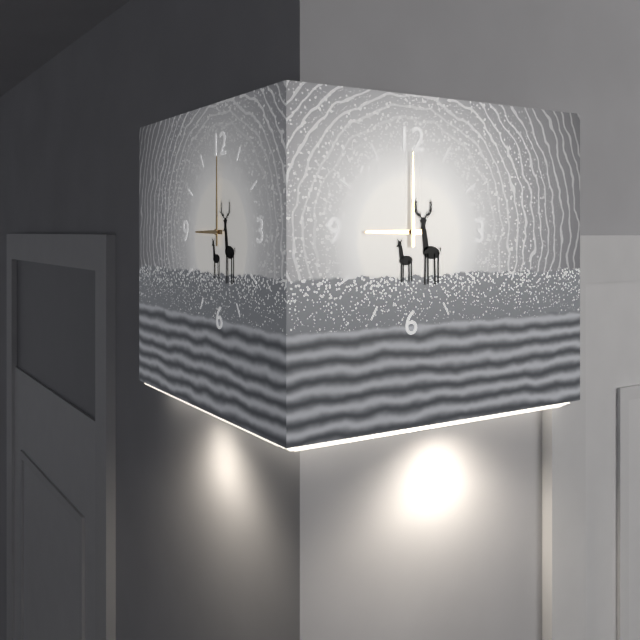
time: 9:00
